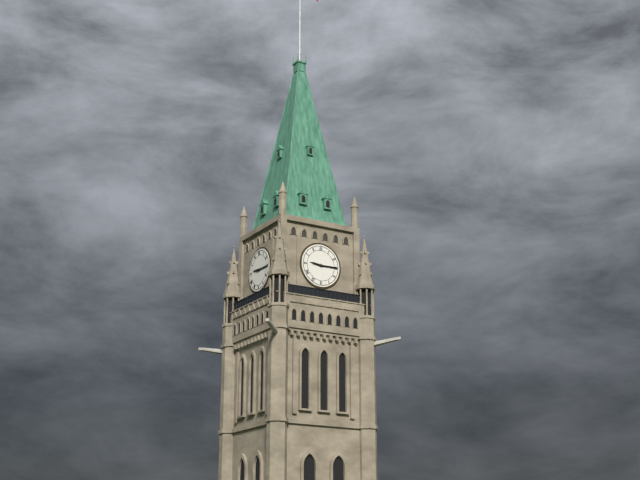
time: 9:15
